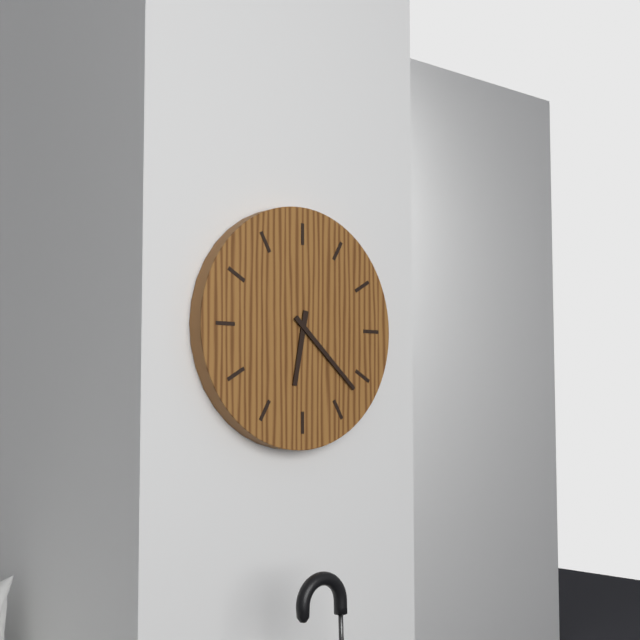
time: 6:22
